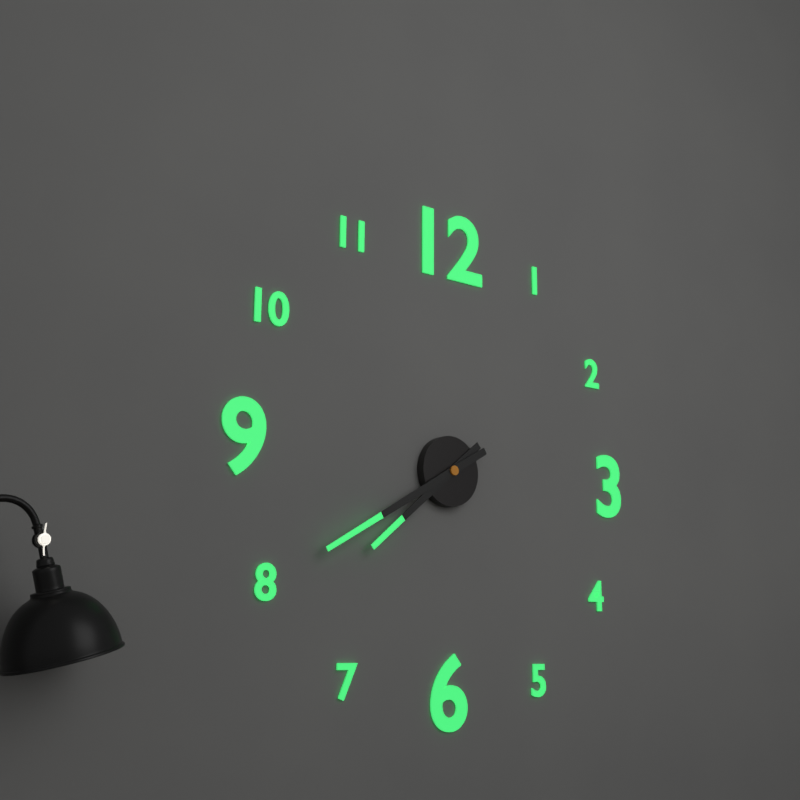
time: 7:40
